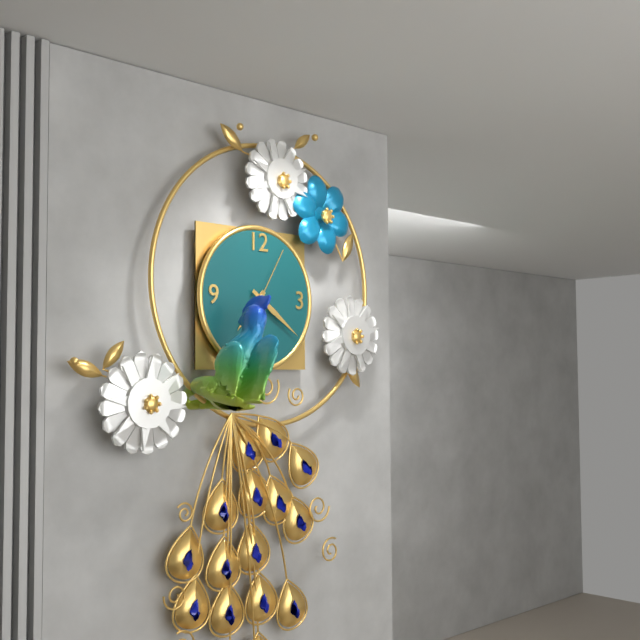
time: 7:21:05
